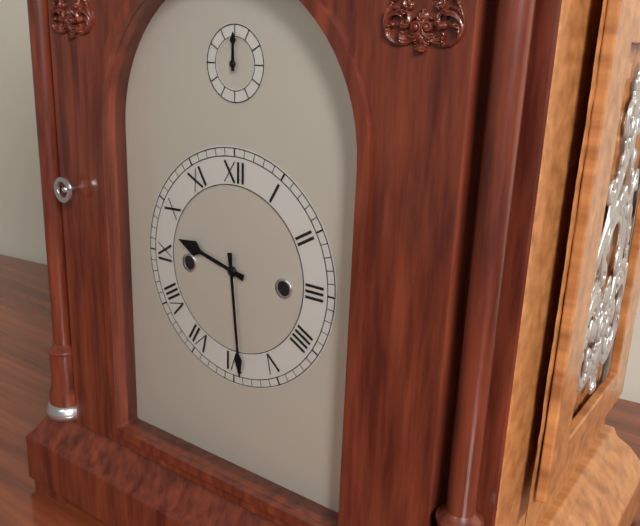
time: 9:29
